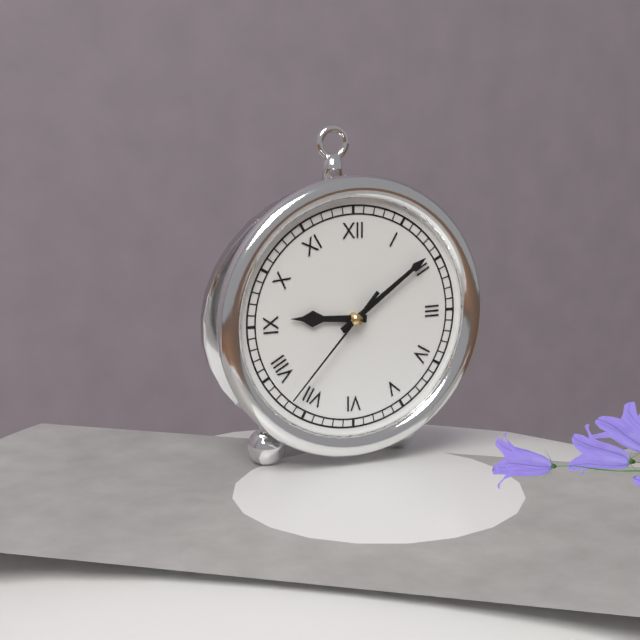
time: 9:09:37
